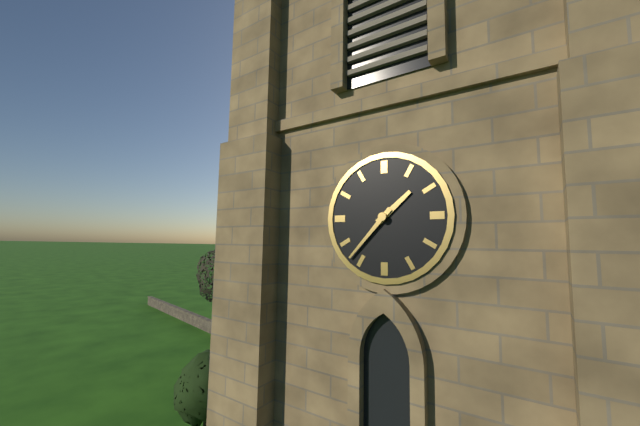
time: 1:37
